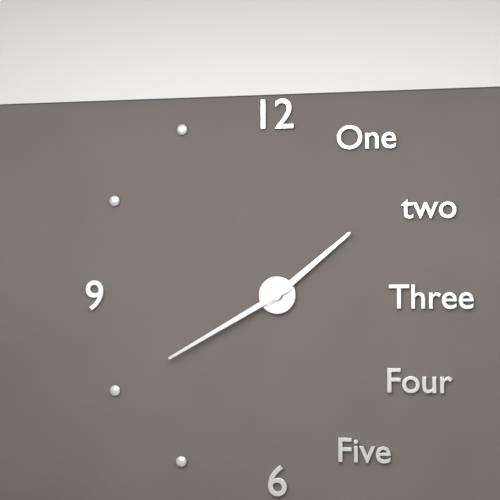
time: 1:40
